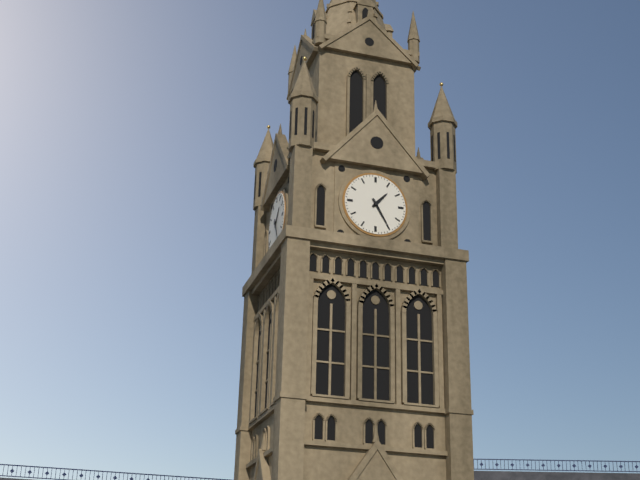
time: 1:25
